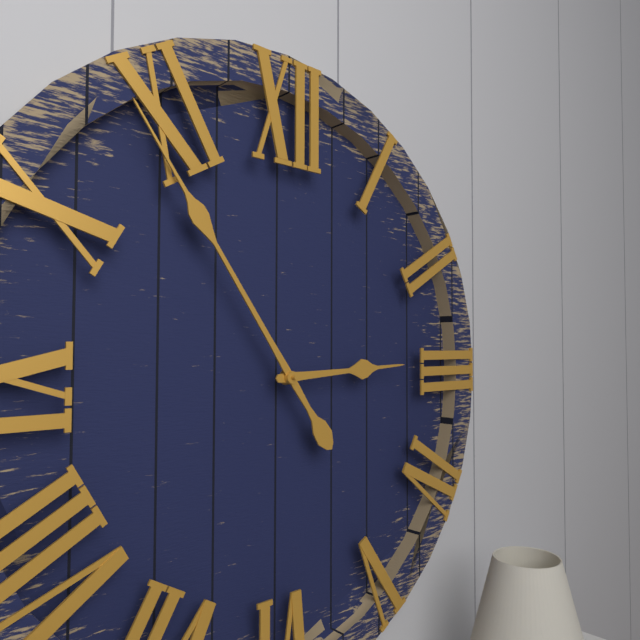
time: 2:54
